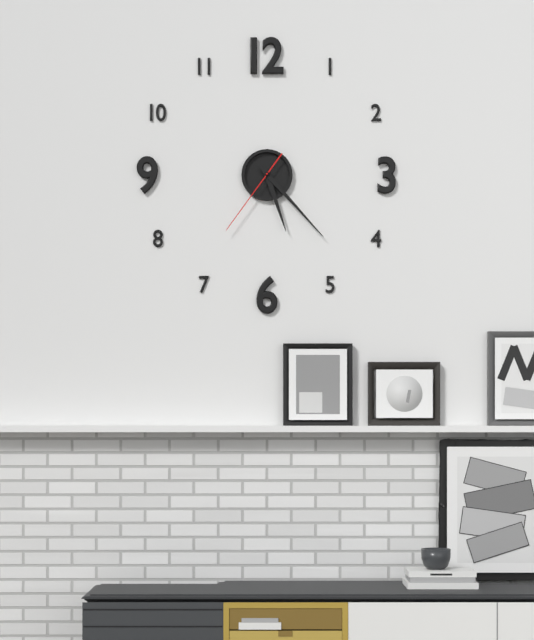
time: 5:23:36
